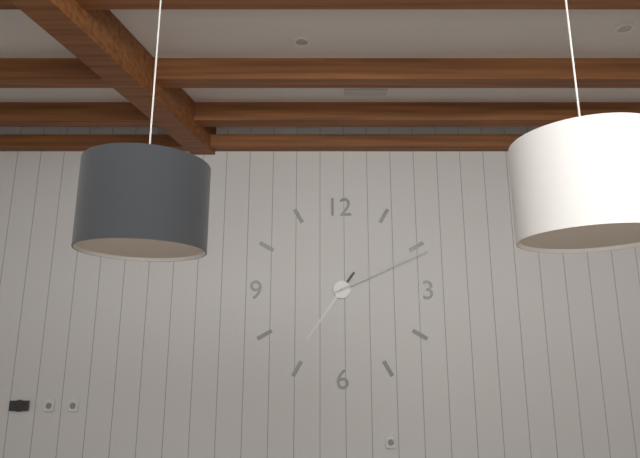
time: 7:11
